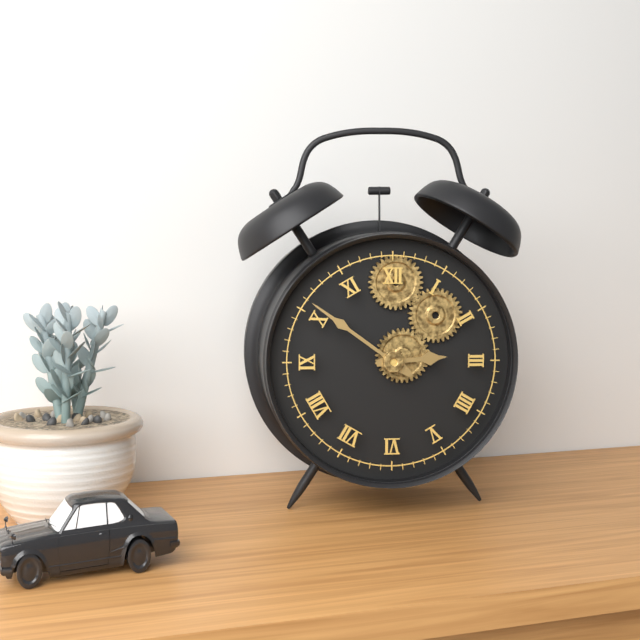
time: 2:51
